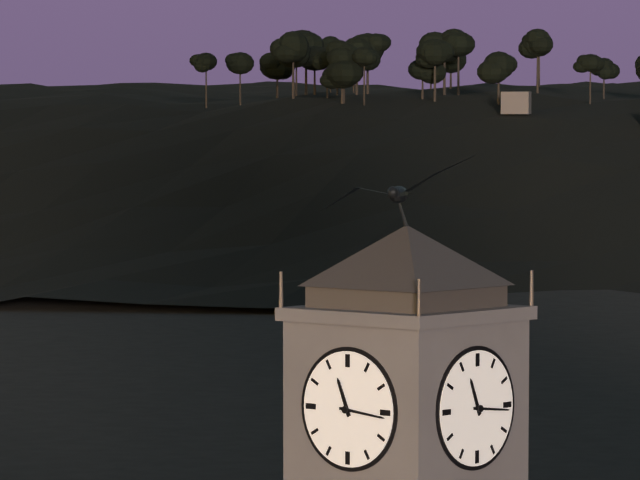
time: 11:16
